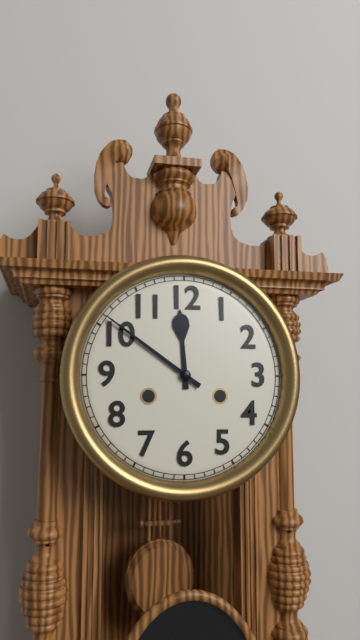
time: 11:51
